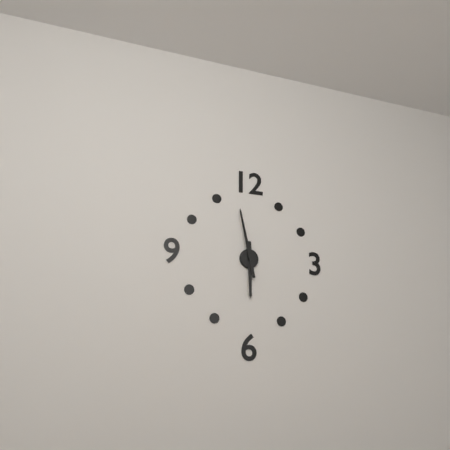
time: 5:58
